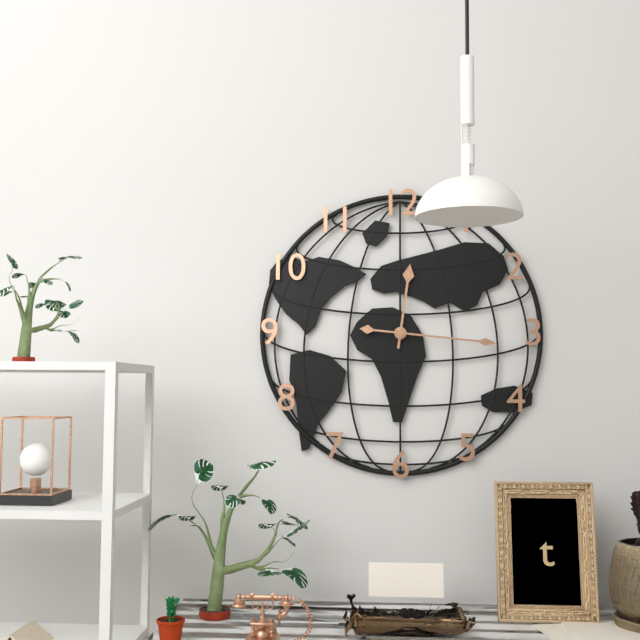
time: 12:16
